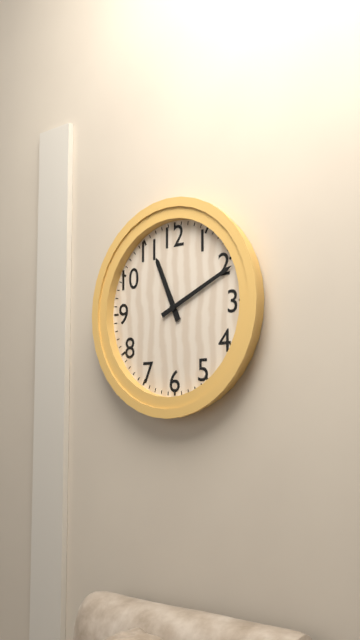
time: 11:11
